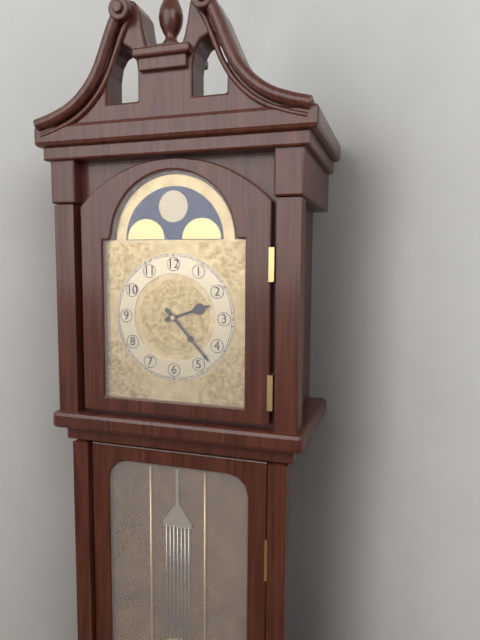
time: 2:23
